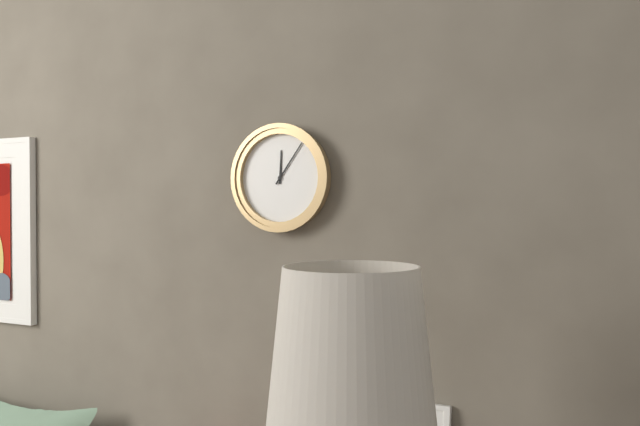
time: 12:06
